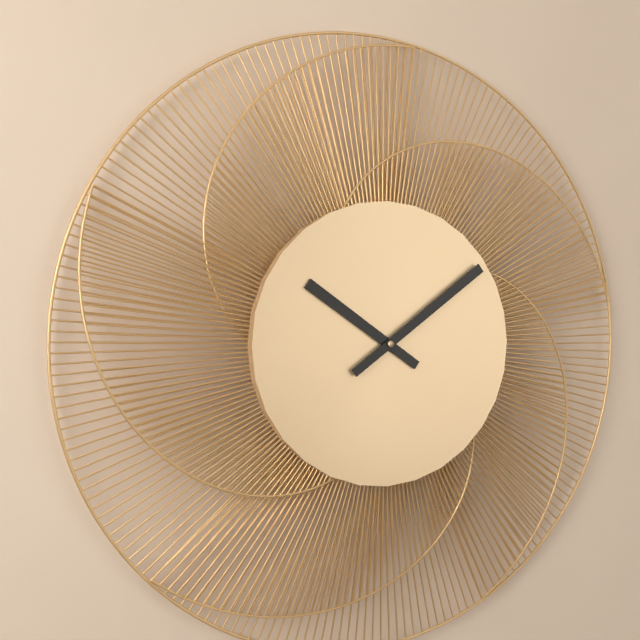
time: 10:09
